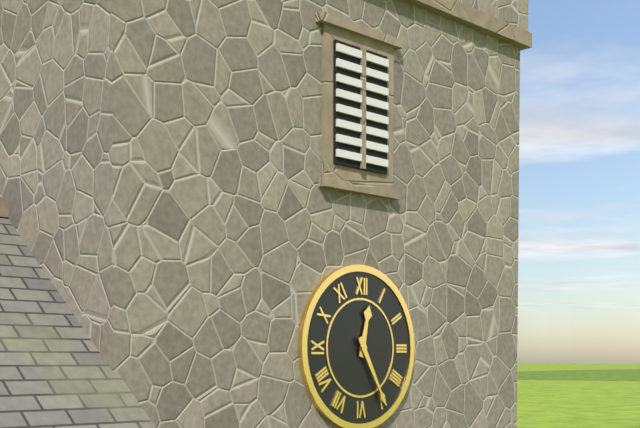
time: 12:25
